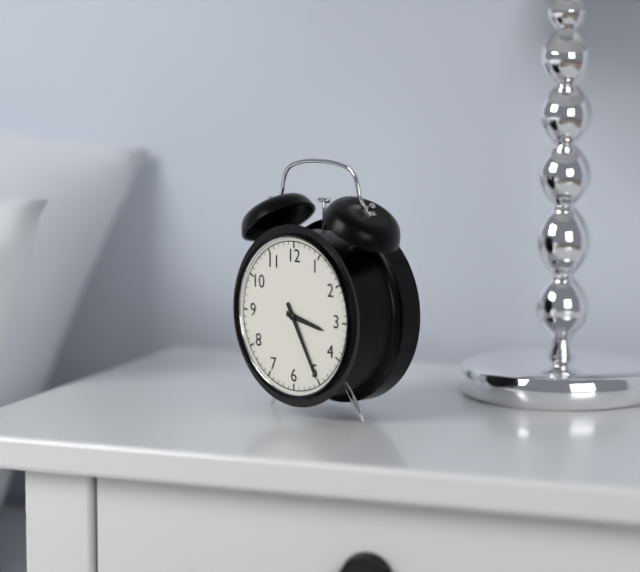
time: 3:25
